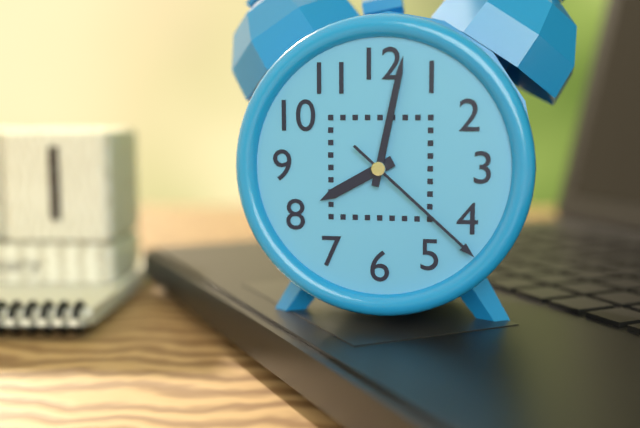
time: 8:02:22
